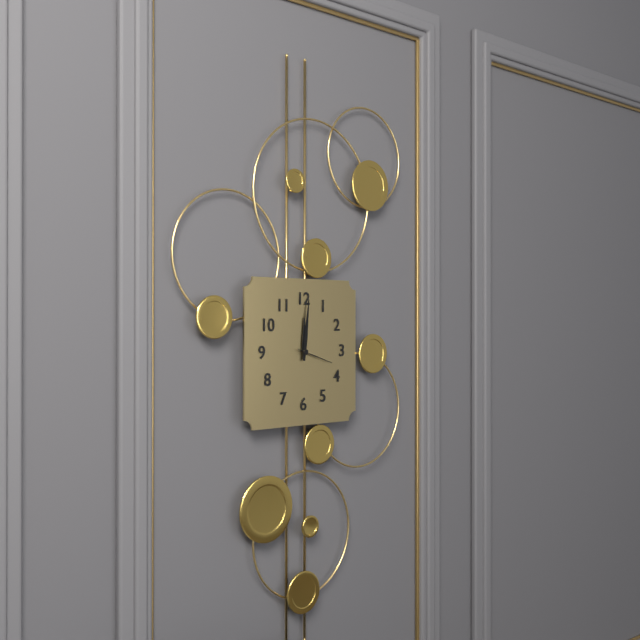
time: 12:01
